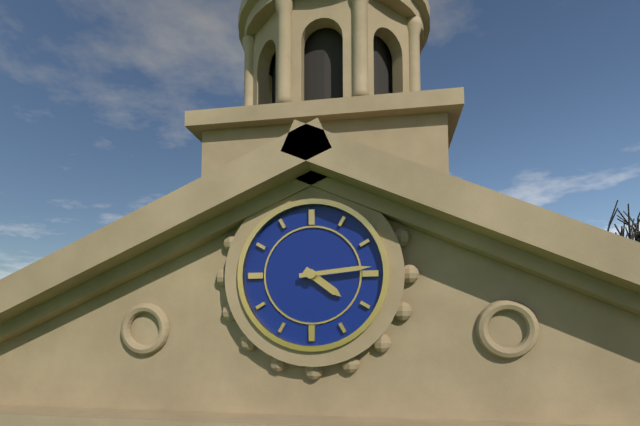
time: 4:14
